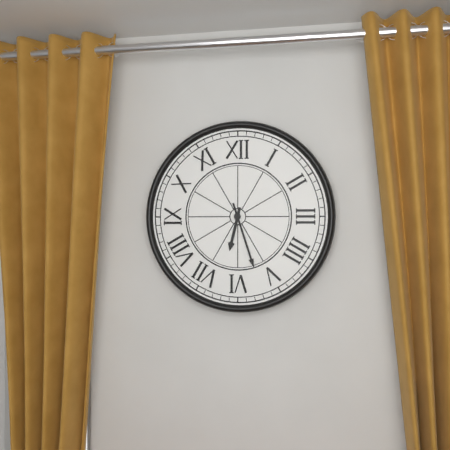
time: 6:27
